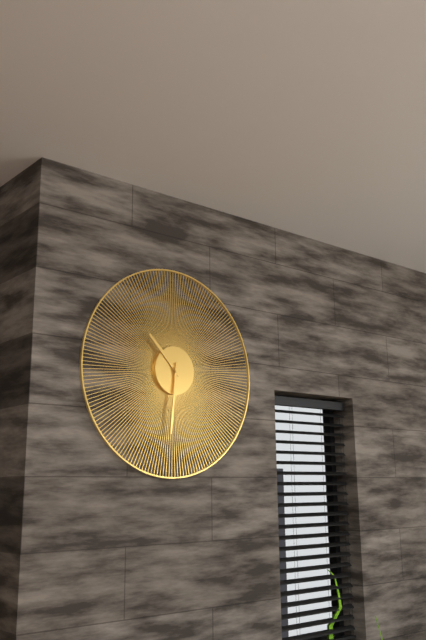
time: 10:31
